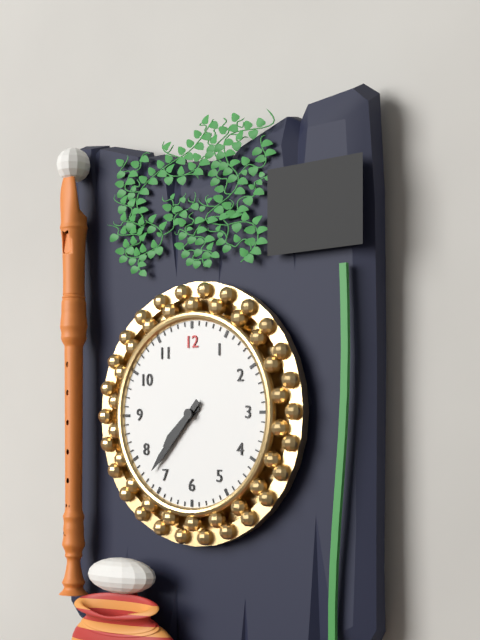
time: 7:37
